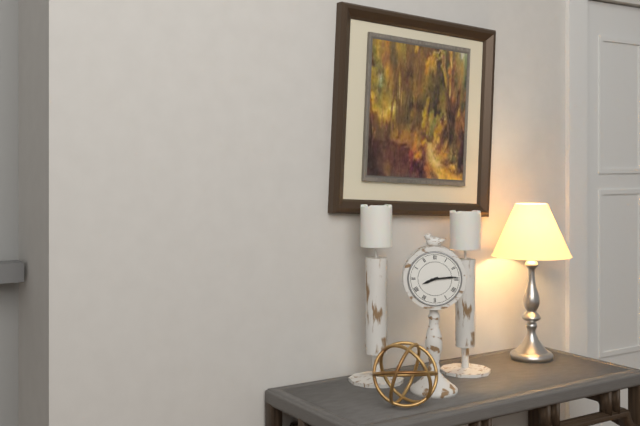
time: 8:14
